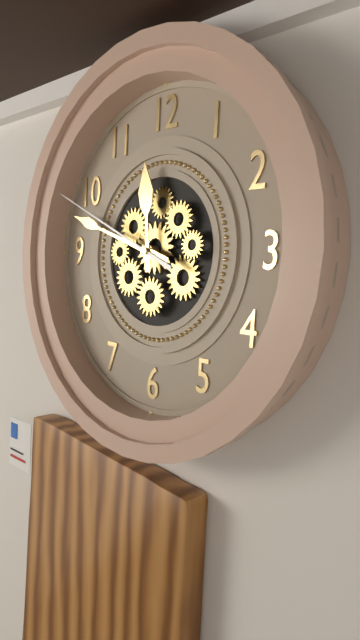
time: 11:48:49
